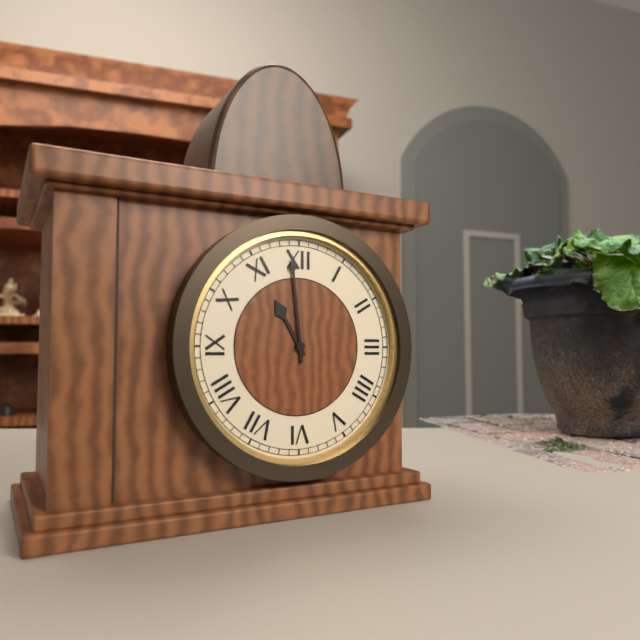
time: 10:59
